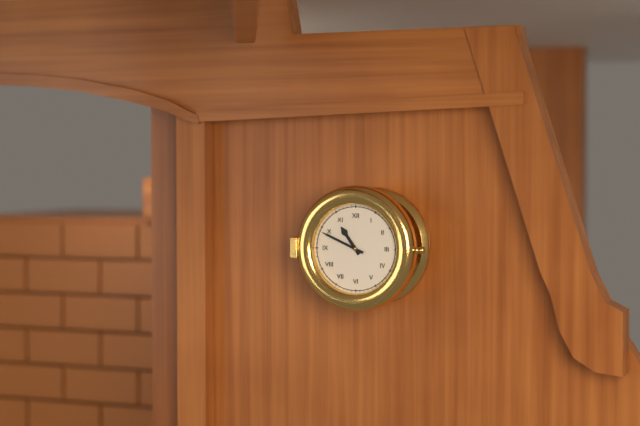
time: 10:49
